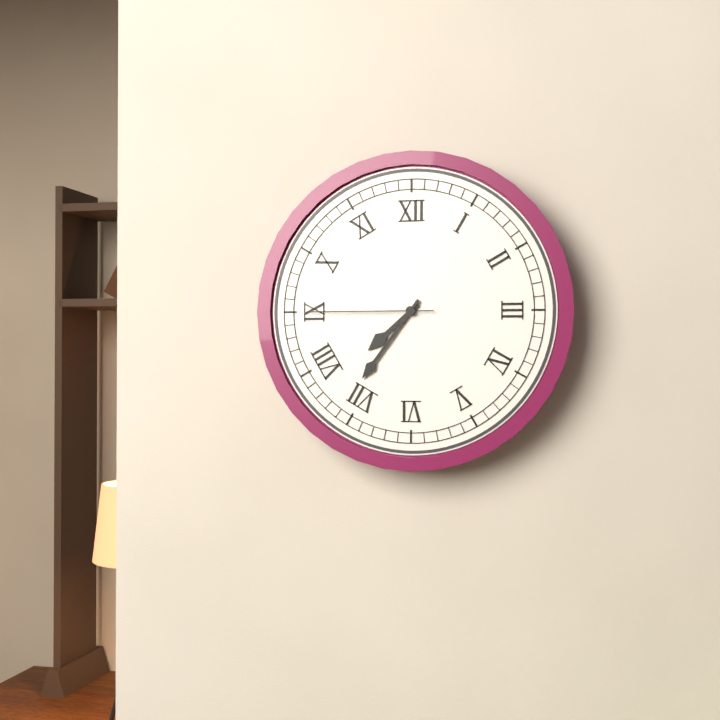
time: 7:36:45
